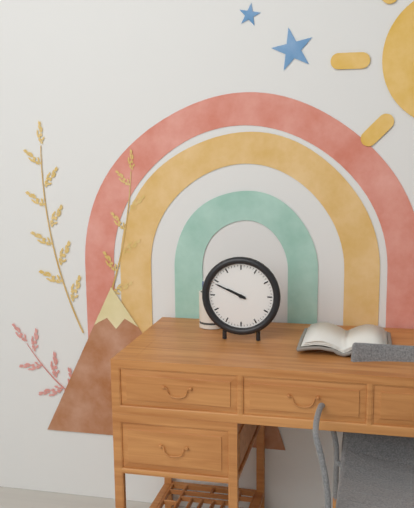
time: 9:49
